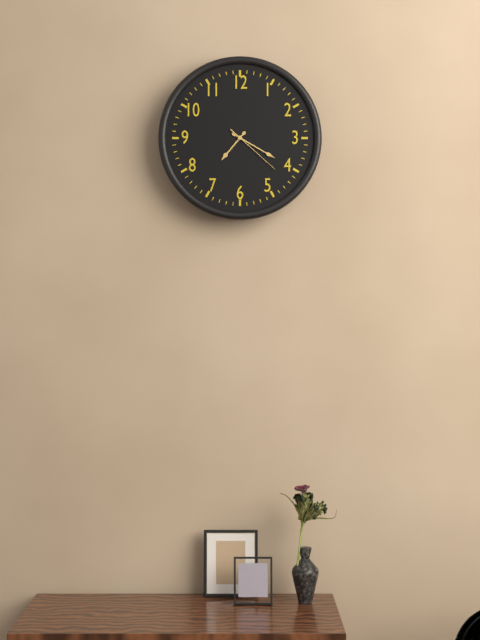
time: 7:20:22
